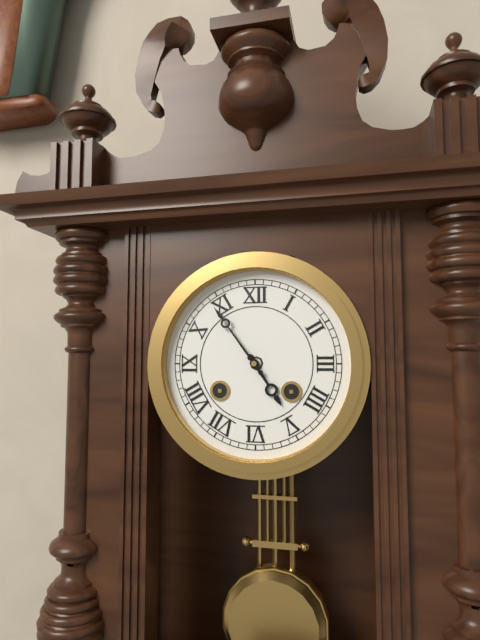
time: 4:54
